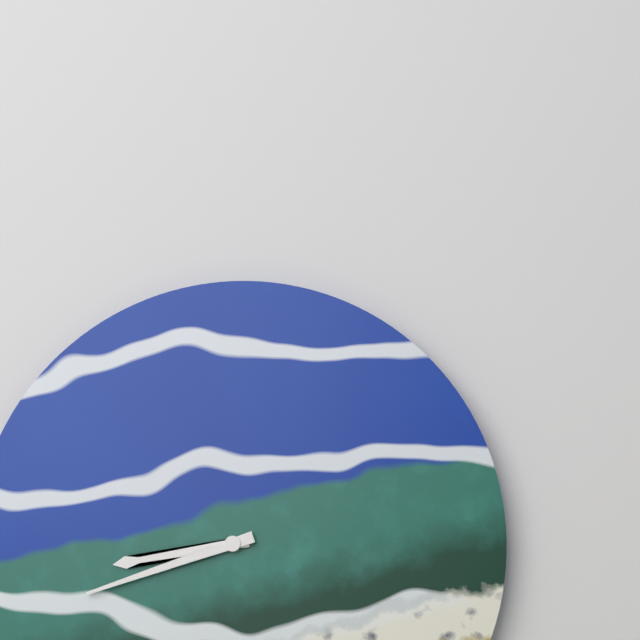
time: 8:42
